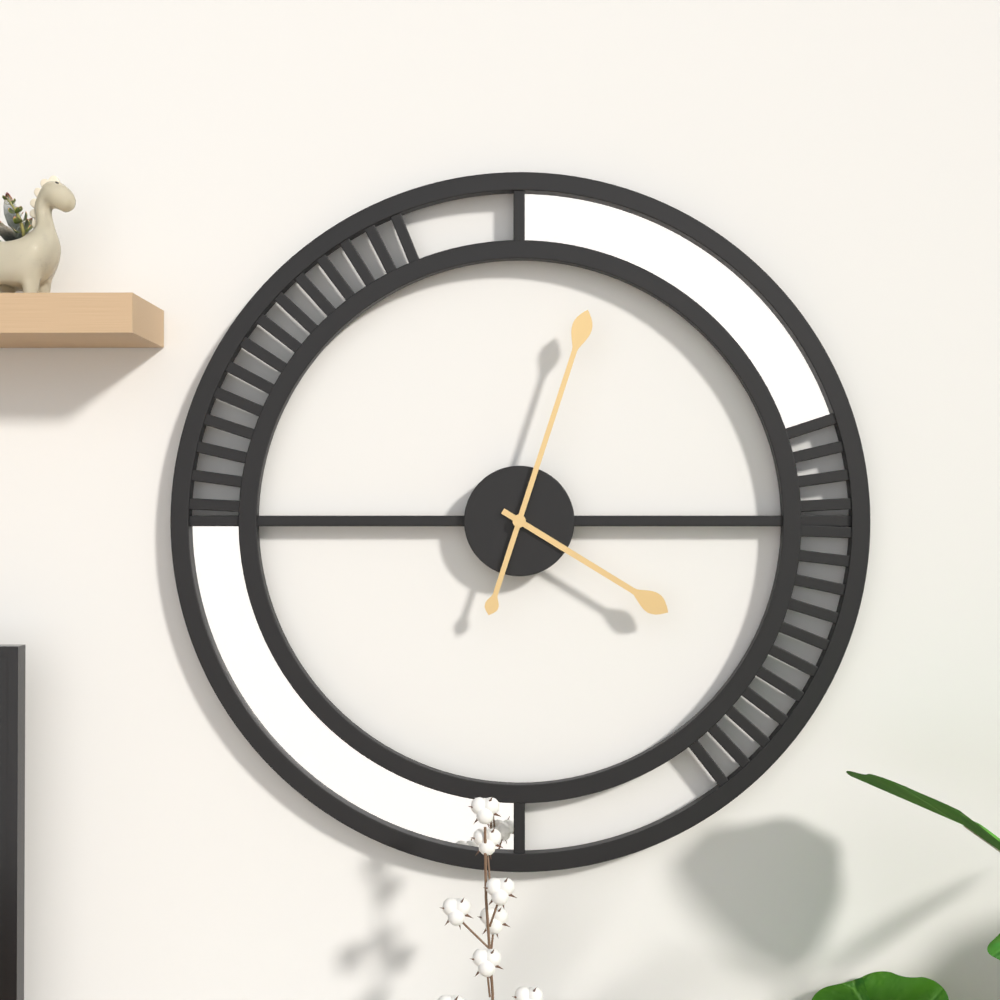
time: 4:03
